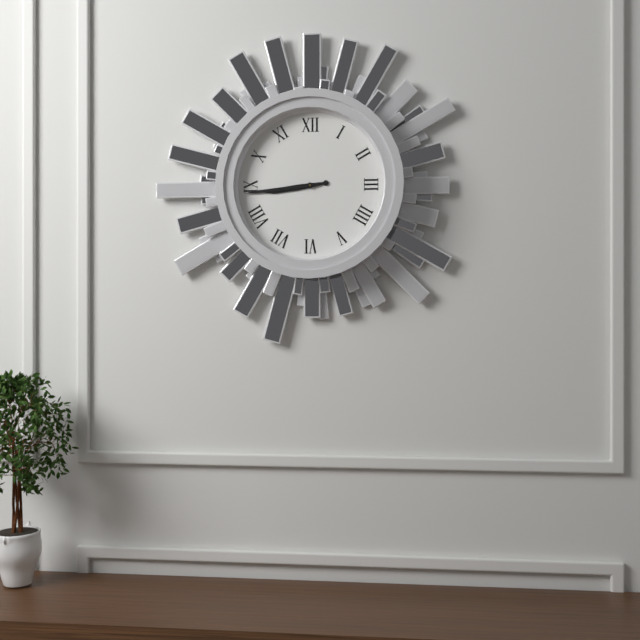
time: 8:44
